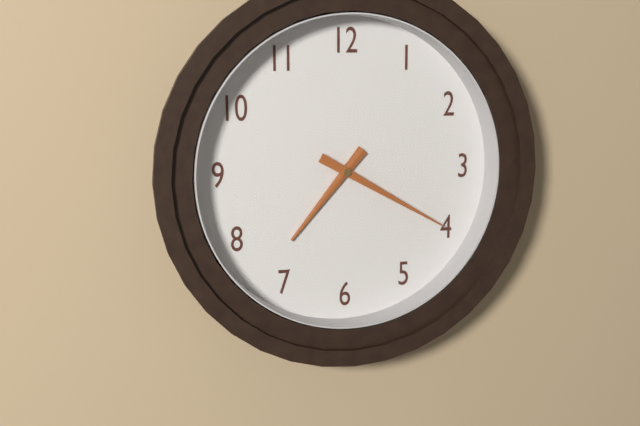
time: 7:20
